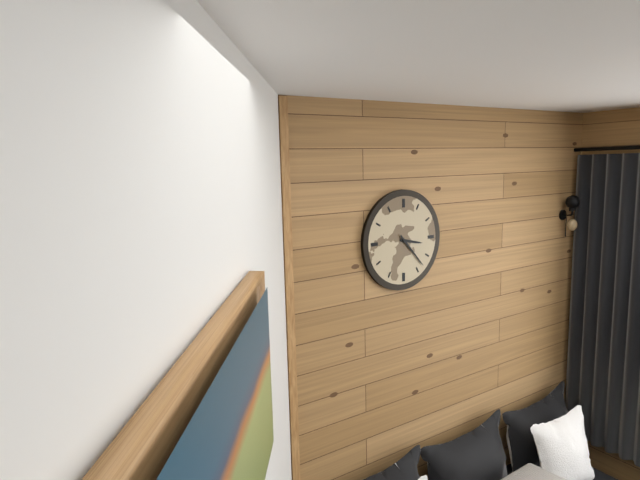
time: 3:23
